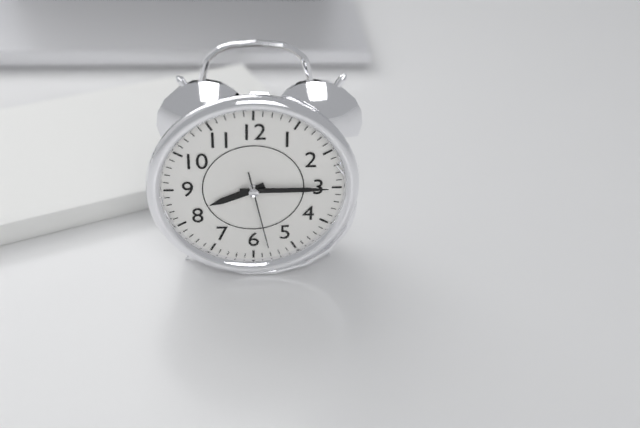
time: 8:15:28
